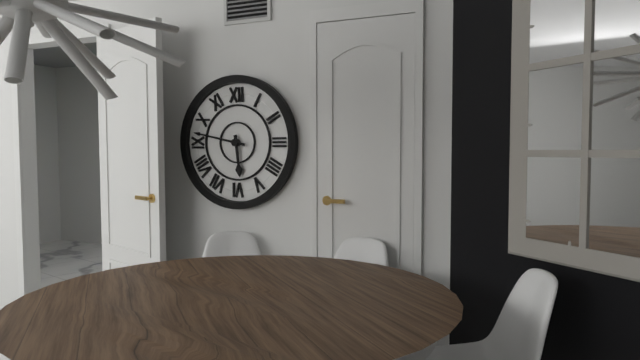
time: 5:47
